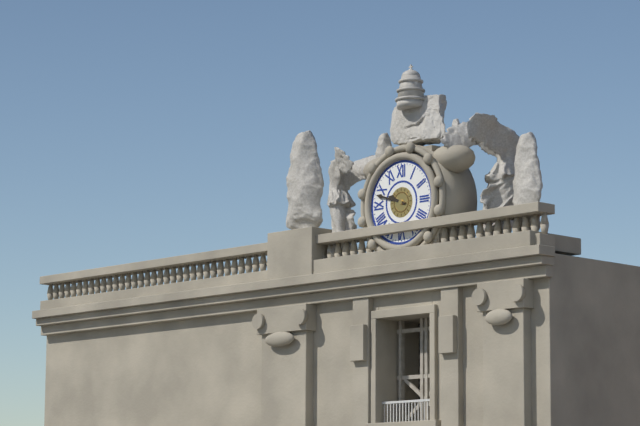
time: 9:48
